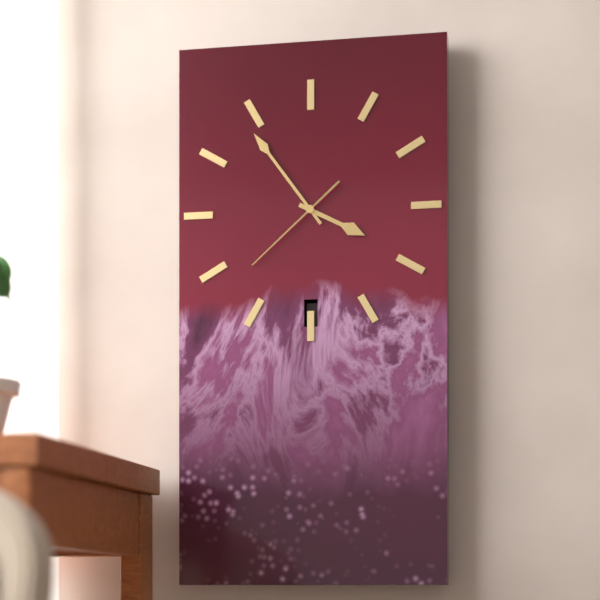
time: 3:54:38
